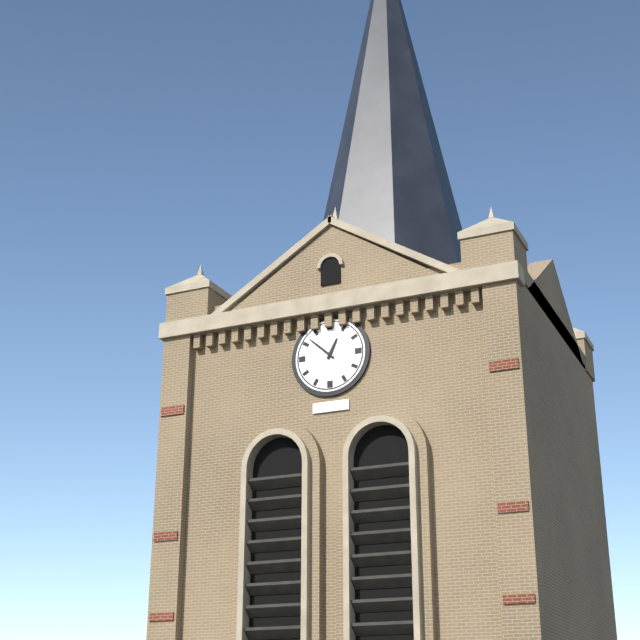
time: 12:52
